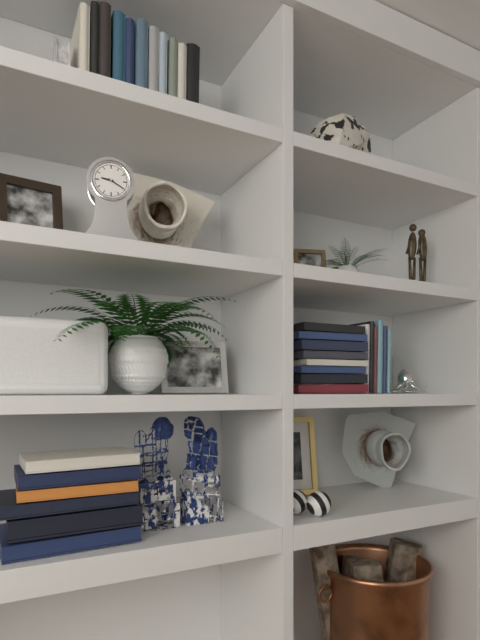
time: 9:20
